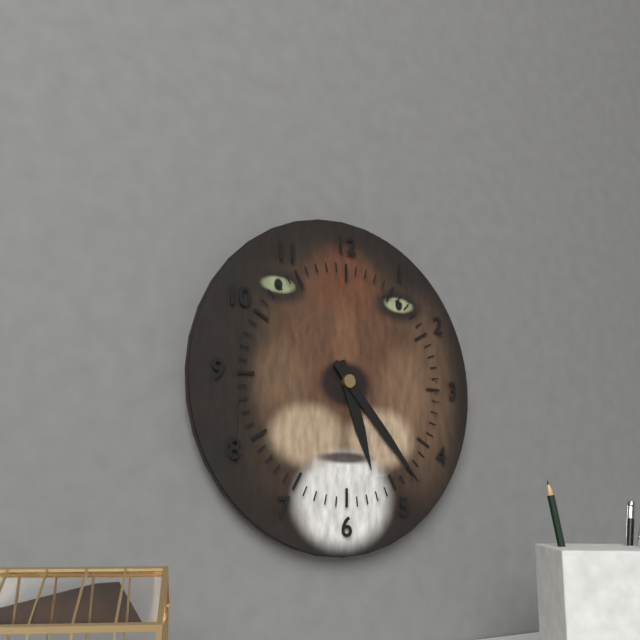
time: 5:23
